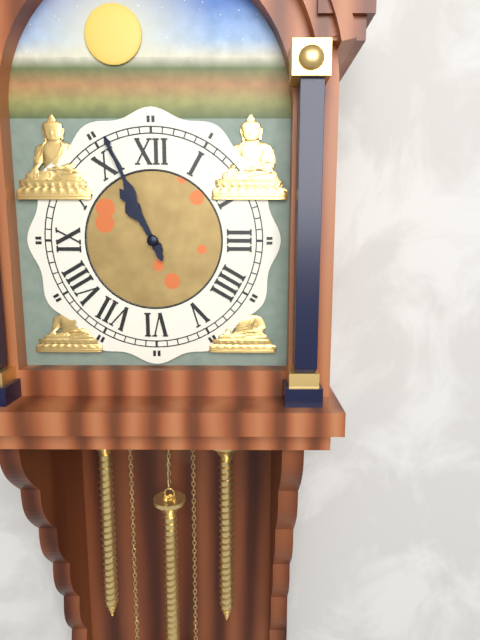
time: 10:56
